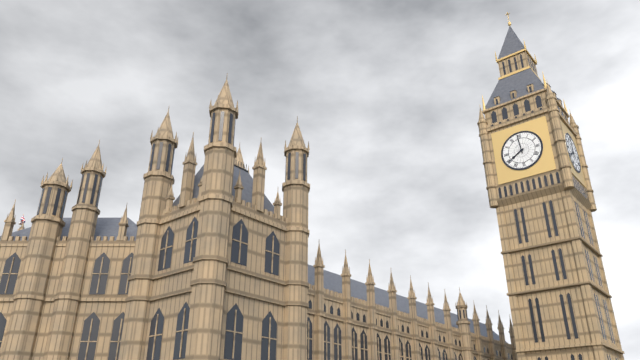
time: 7:59
